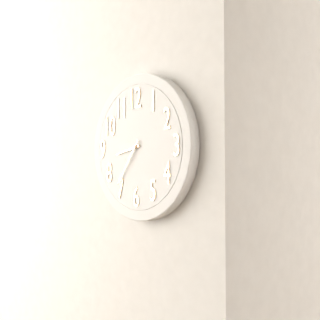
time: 8:36
